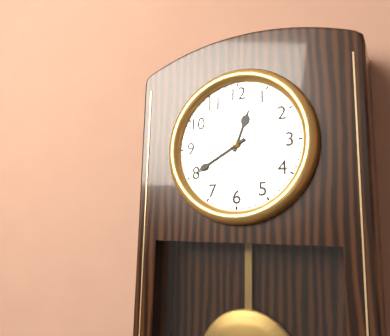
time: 12:40
